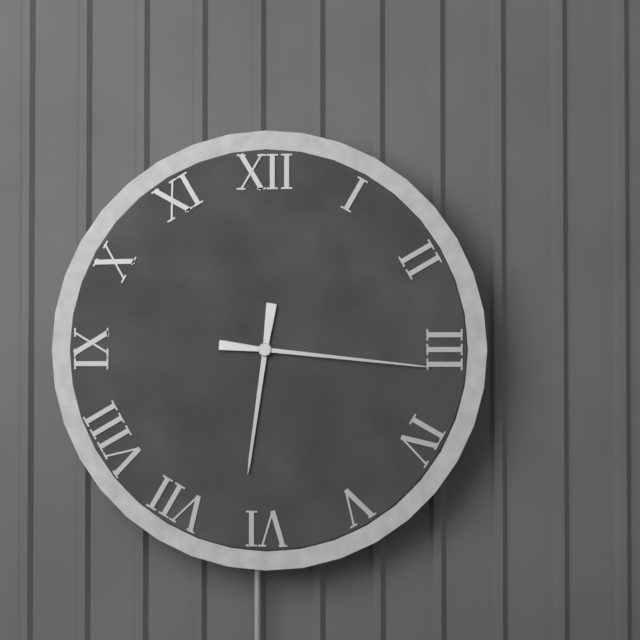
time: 6:16
